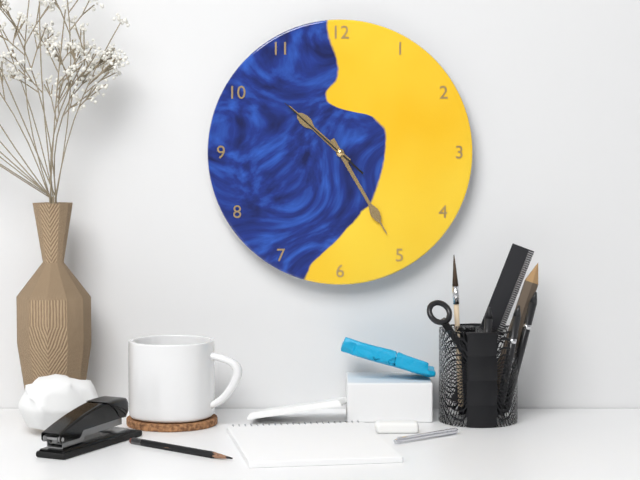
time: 10:25:52
